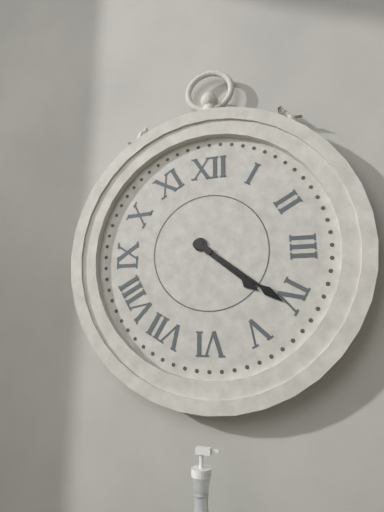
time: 4:21
